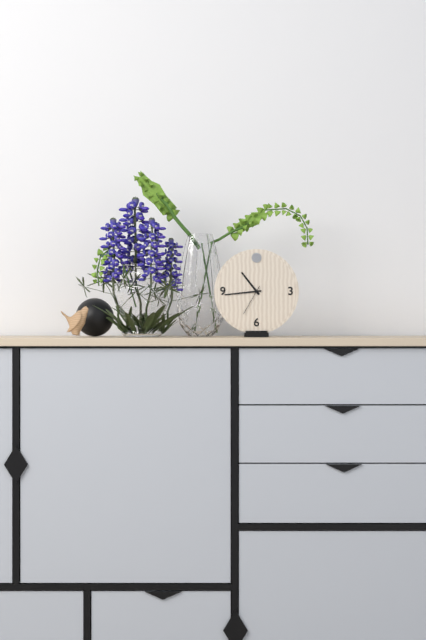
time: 10:44
